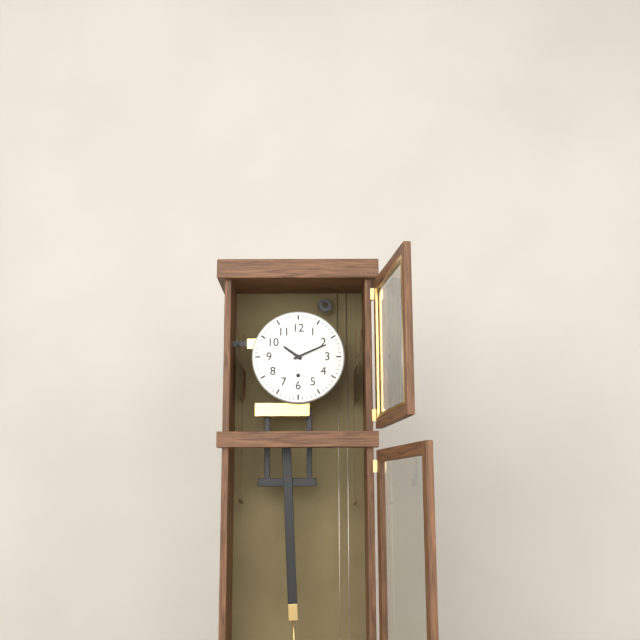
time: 10:11
